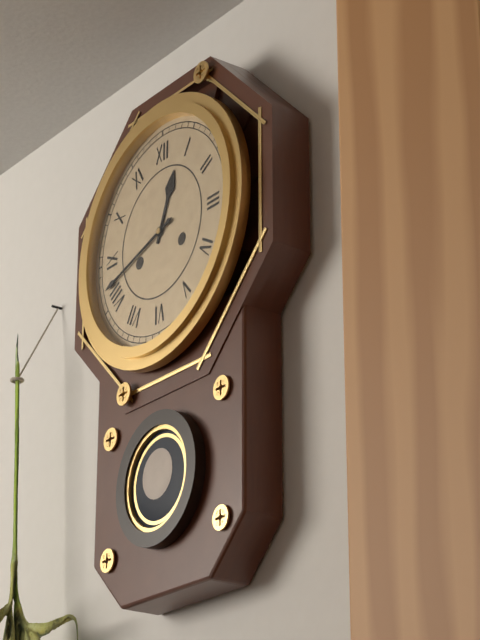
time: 12:42
